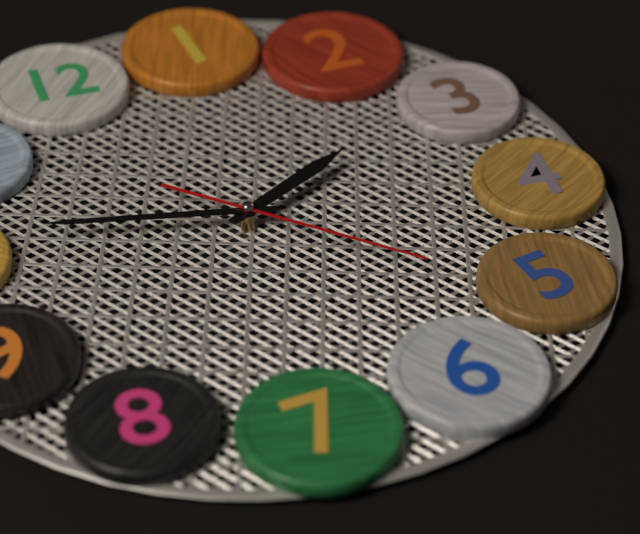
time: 2:51:26
